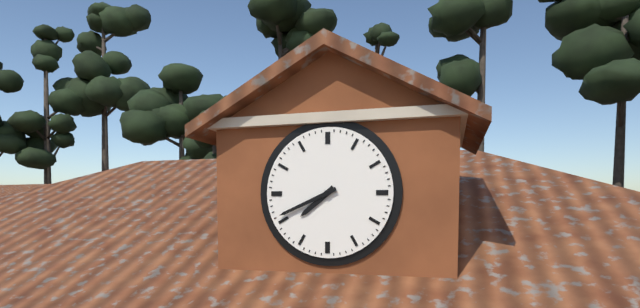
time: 7:41
